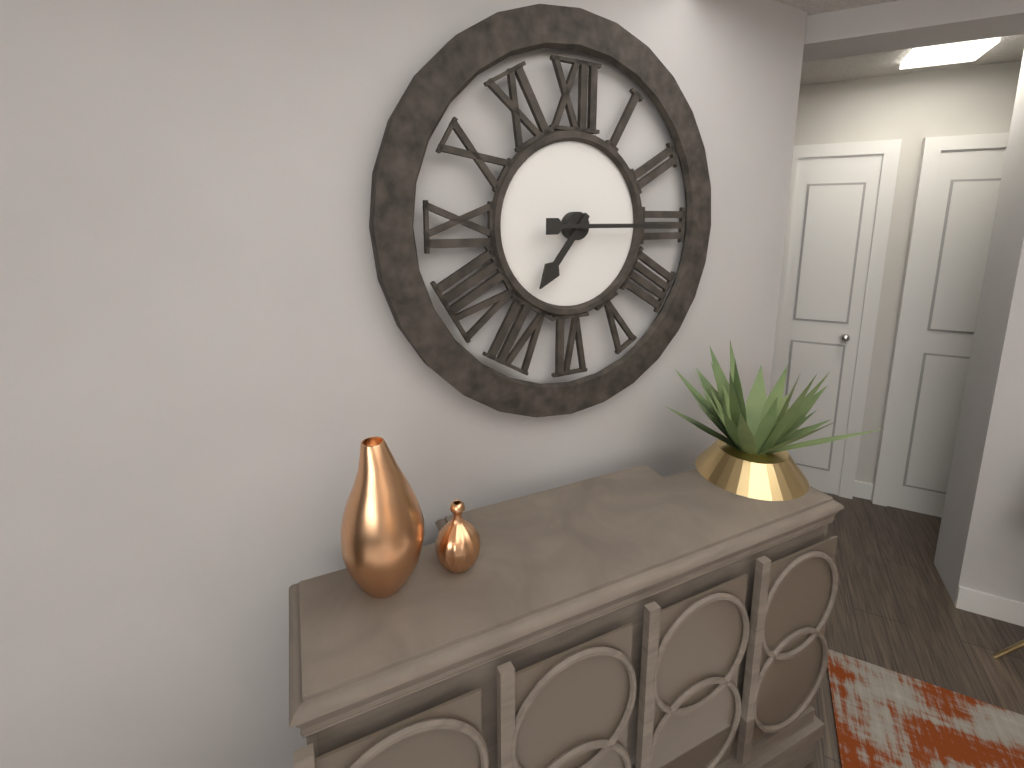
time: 7:15
